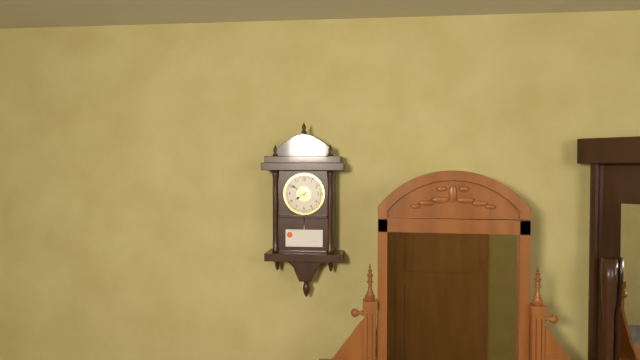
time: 7:51
